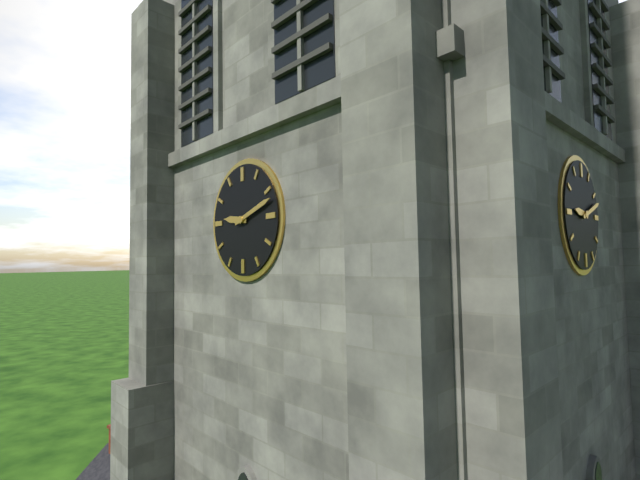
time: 9:12
